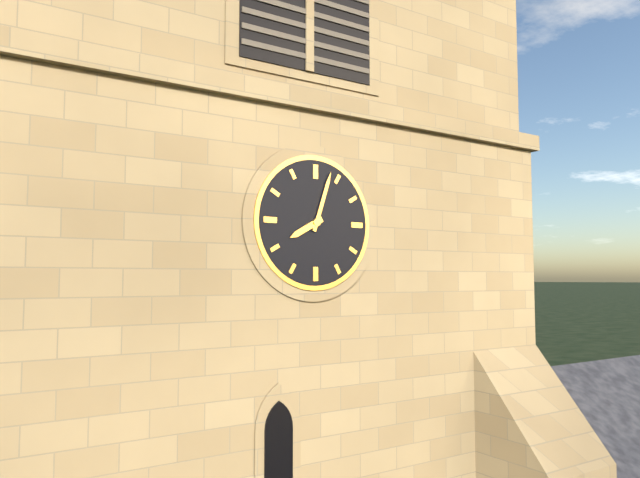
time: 8:03
